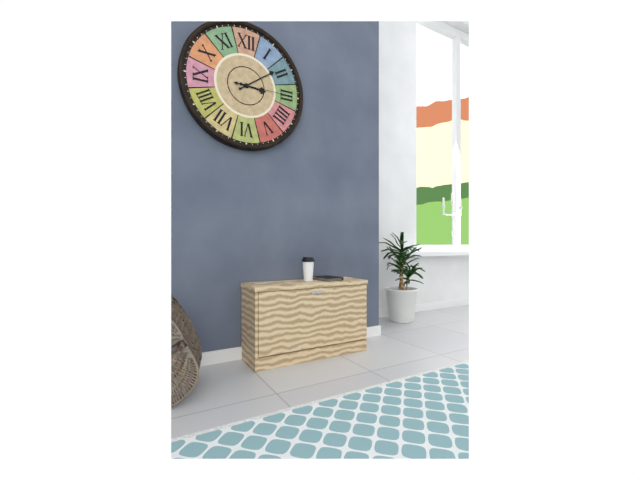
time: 3:09
